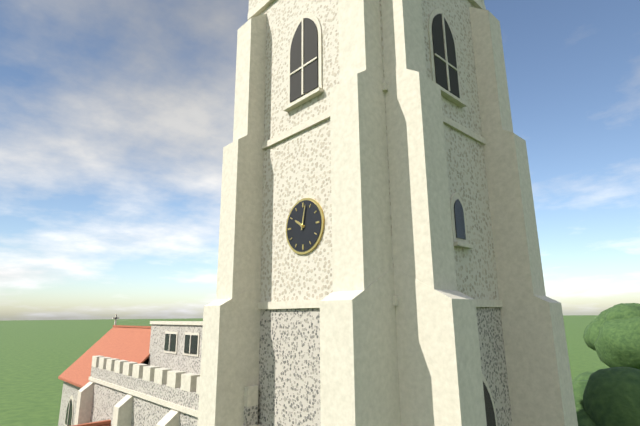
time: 10:02
